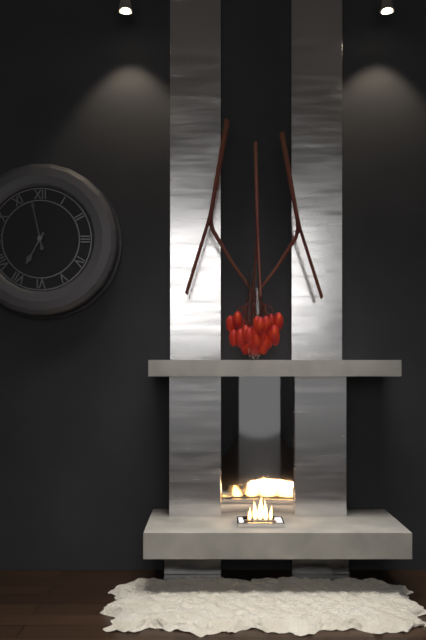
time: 6:58
